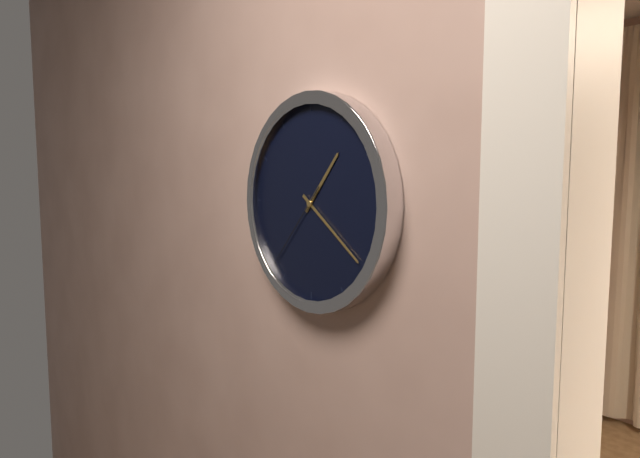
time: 1:21:37
